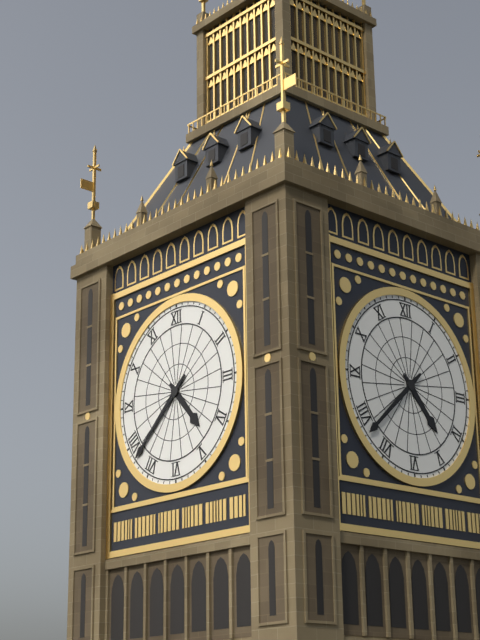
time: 4:38
